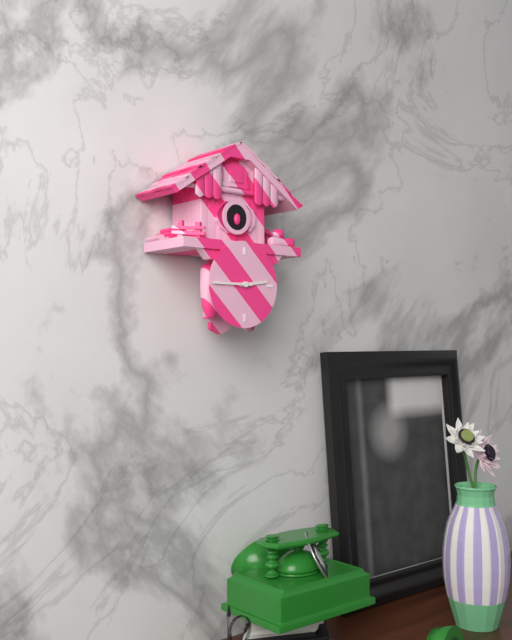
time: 2:45
